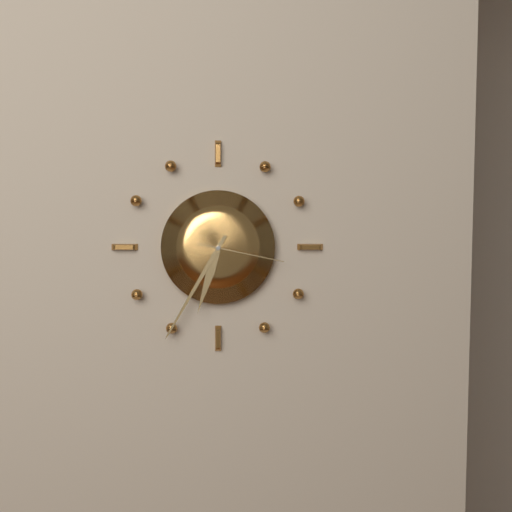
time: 6:35:17
